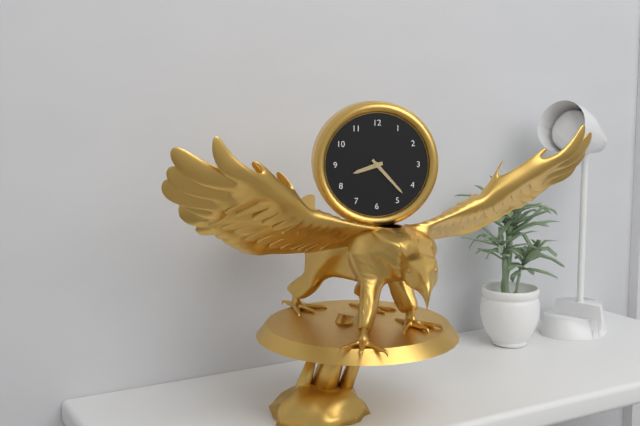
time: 8:23
